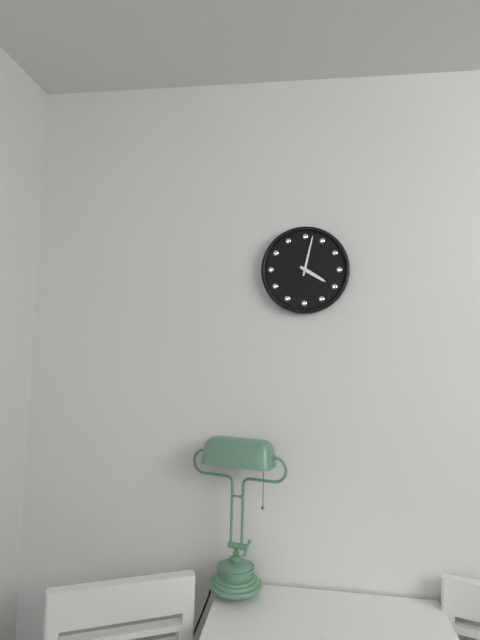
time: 4:02
